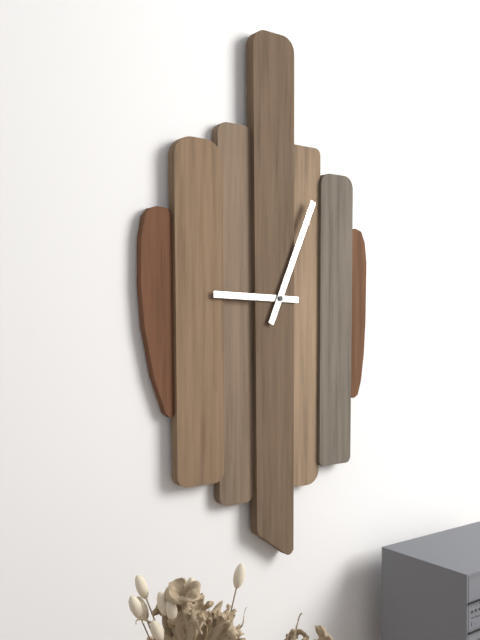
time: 9:04
